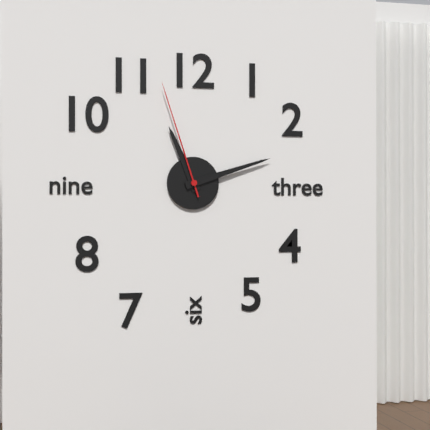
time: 11:12:57
